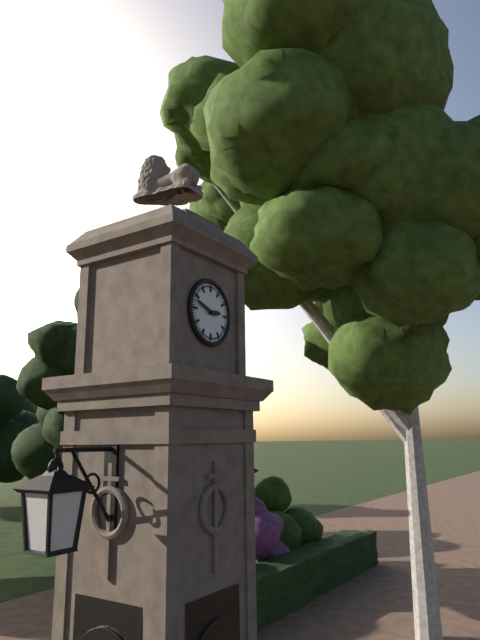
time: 2:48
